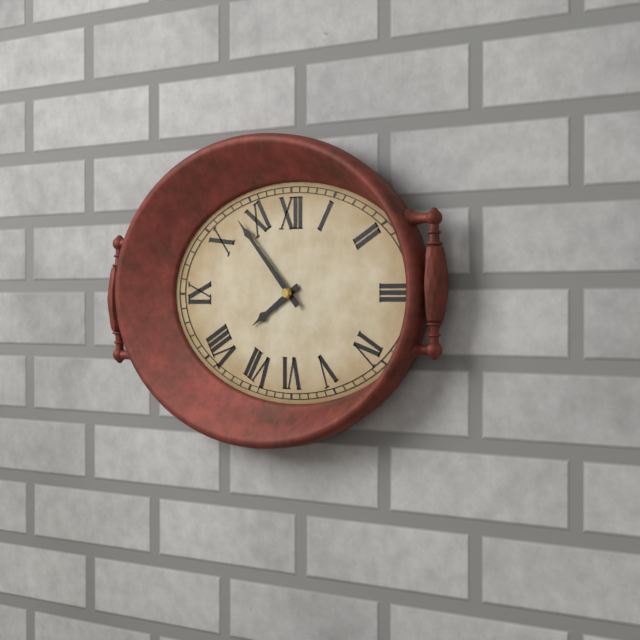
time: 7:53
